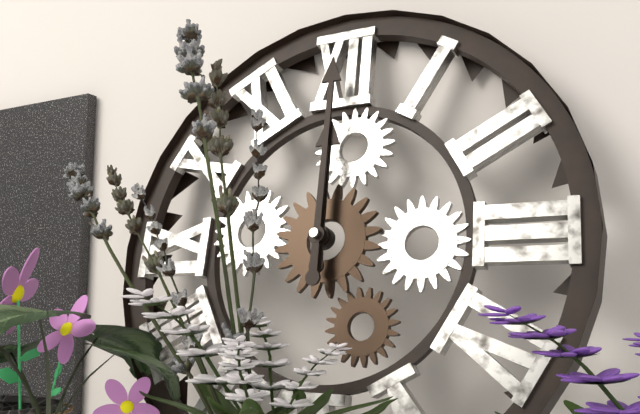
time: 12:00
